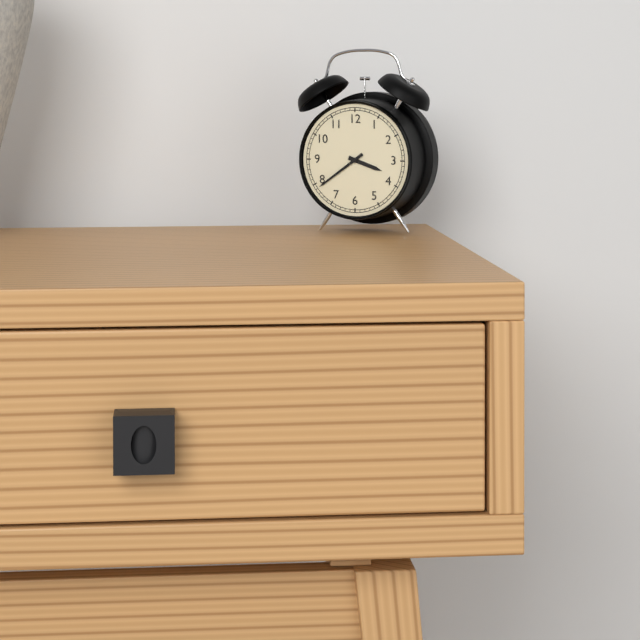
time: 3:39
